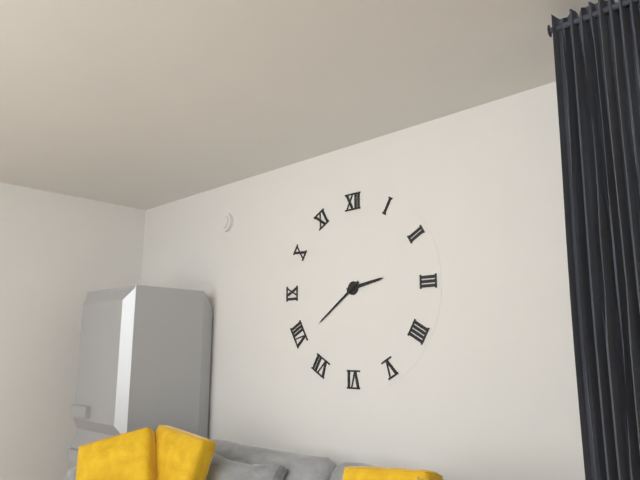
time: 2:39
